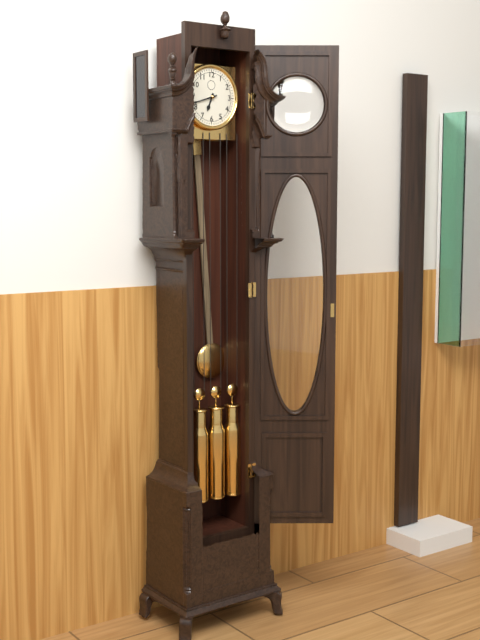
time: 6:42
